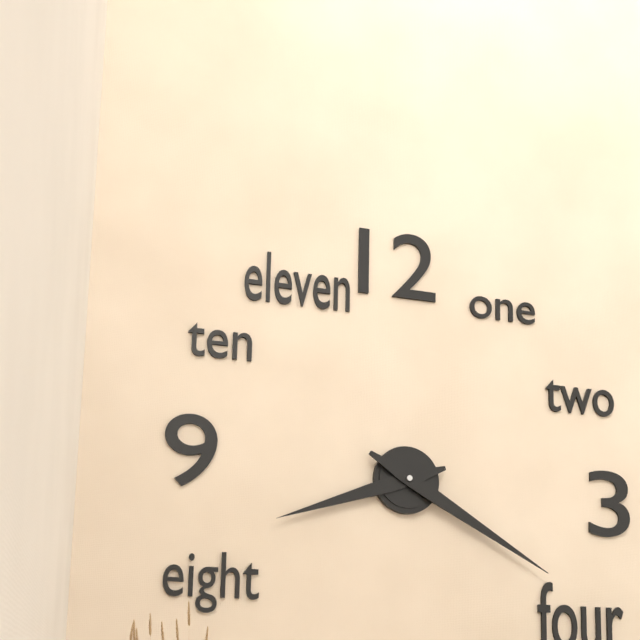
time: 8:20
